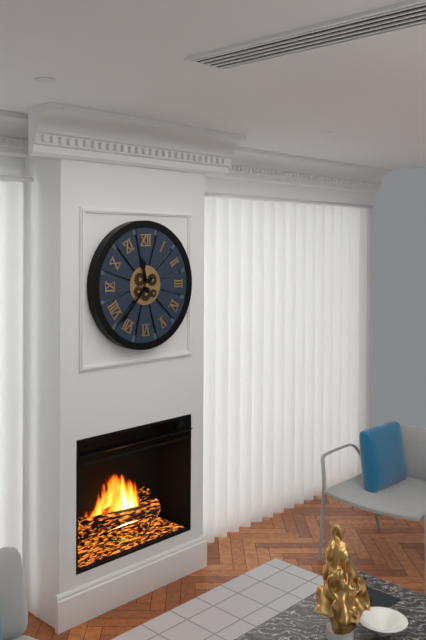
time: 11:37
